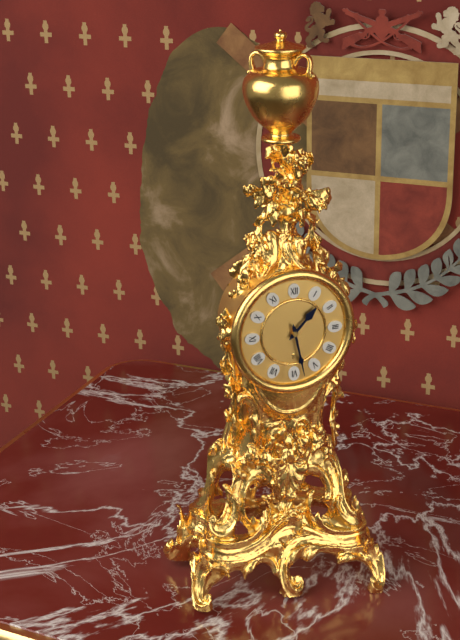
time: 1:28
